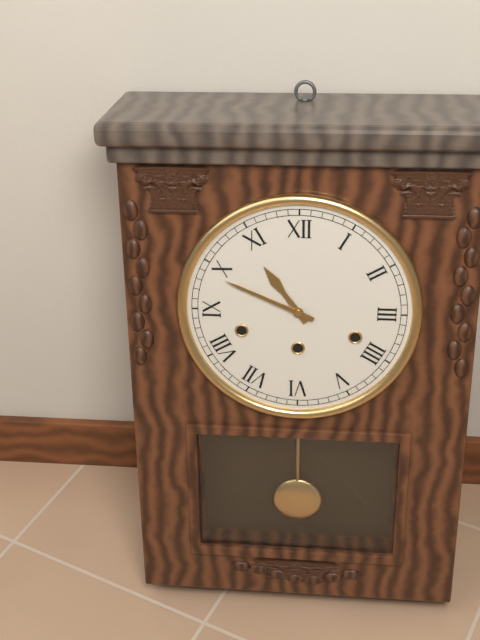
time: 10:49
